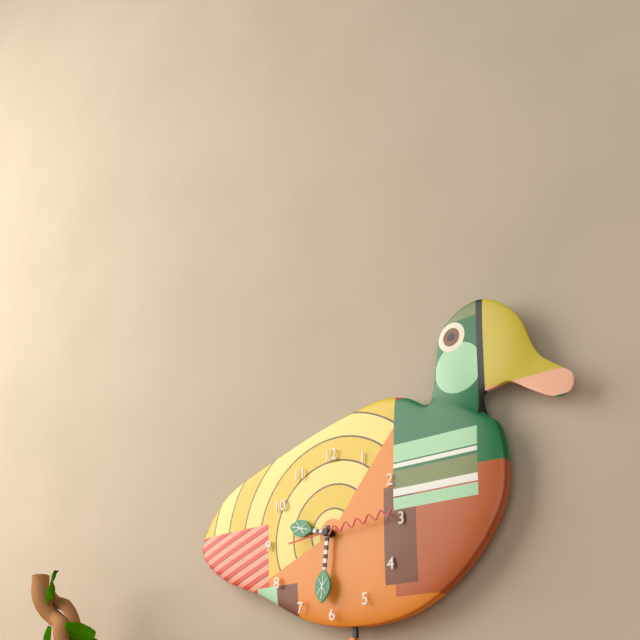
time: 9:31:14
